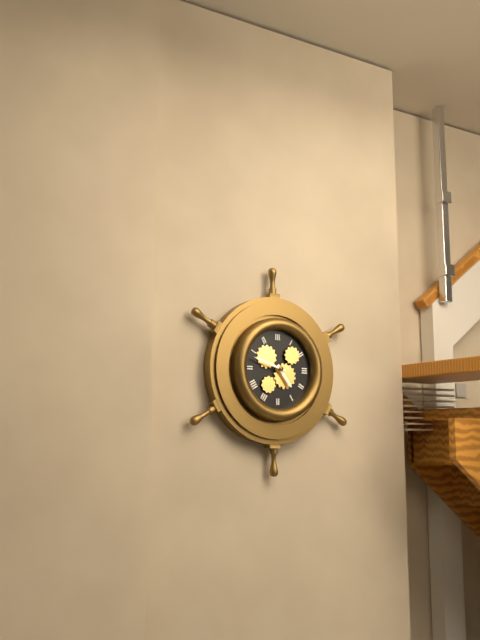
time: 4:48
